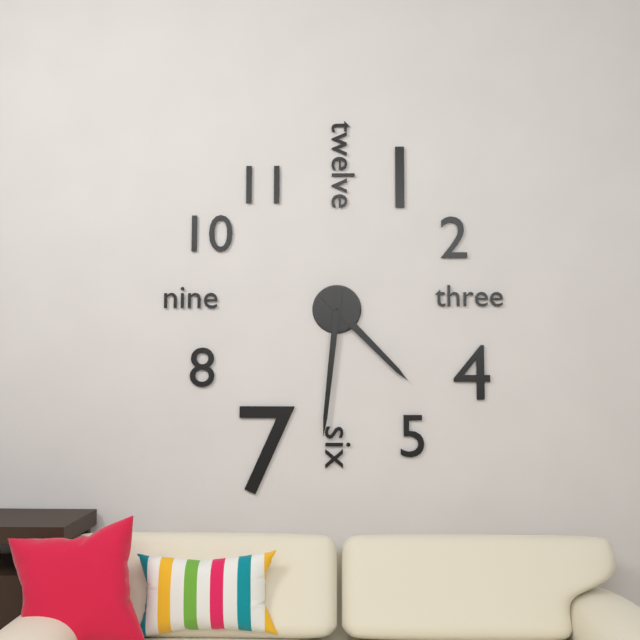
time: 4:31
